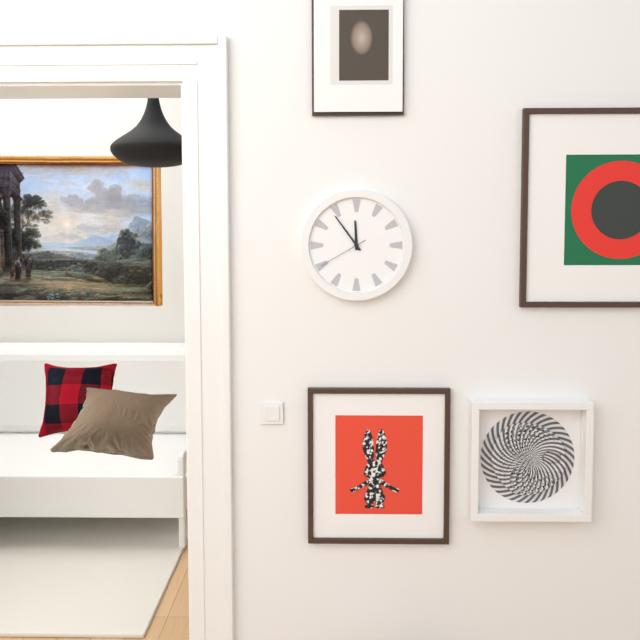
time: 11:54:40
